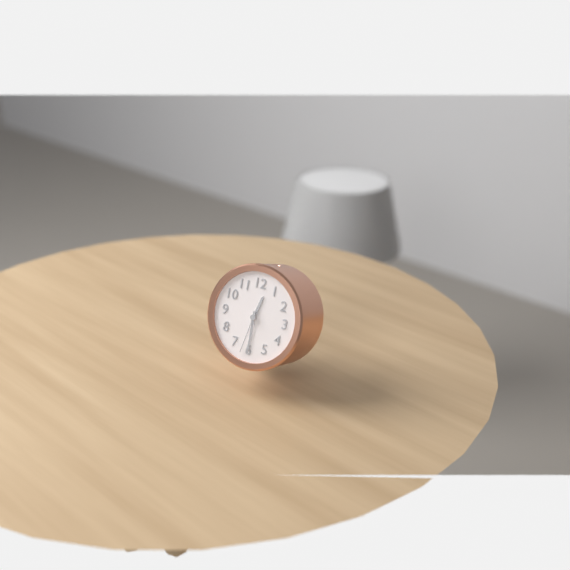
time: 12:30
